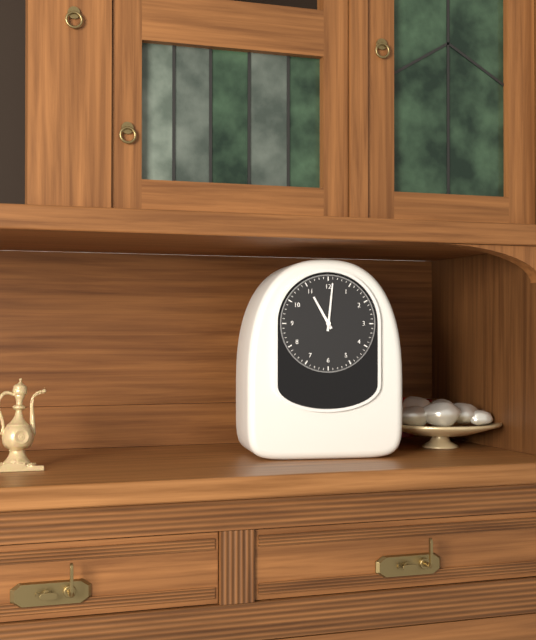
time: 11:01
